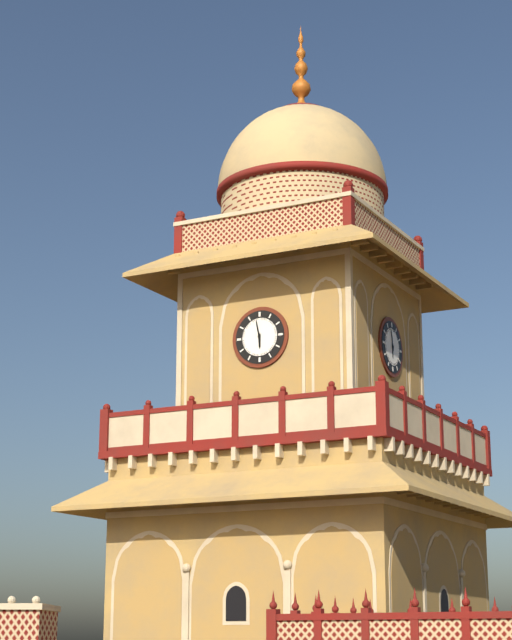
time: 5:58
